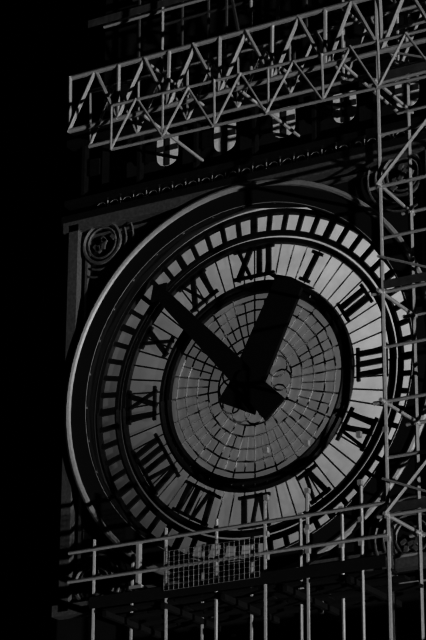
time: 12:53
